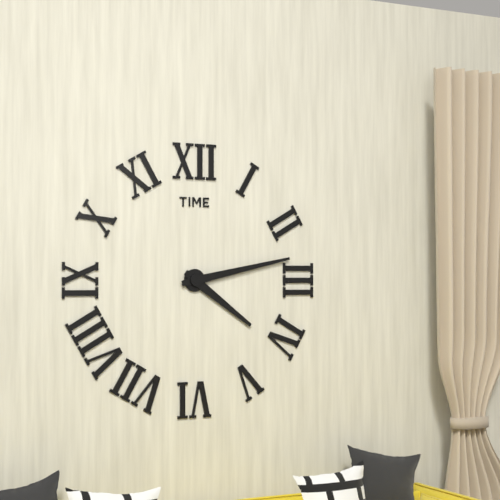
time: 4:13
